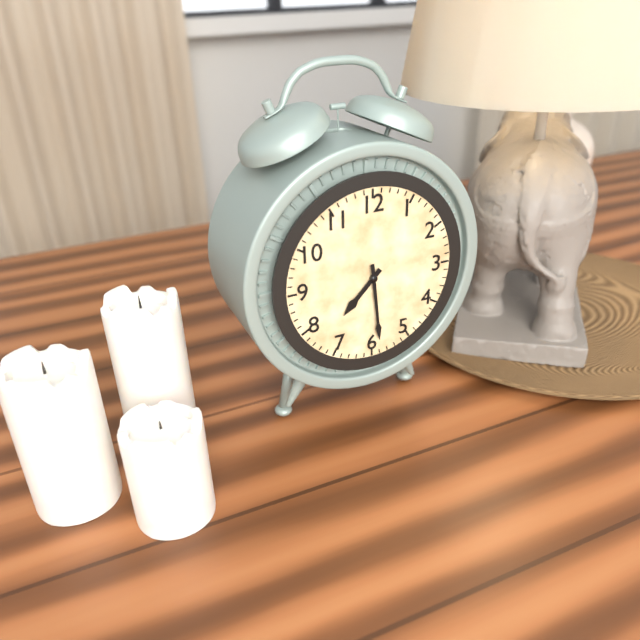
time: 7:29
